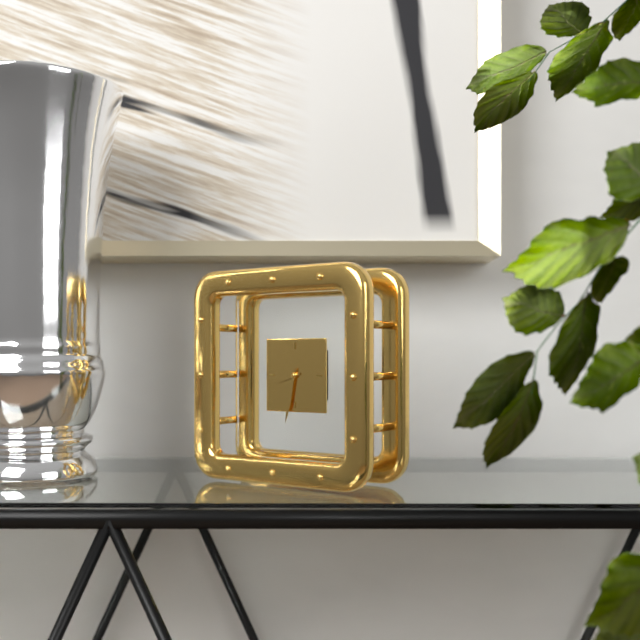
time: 8:32
